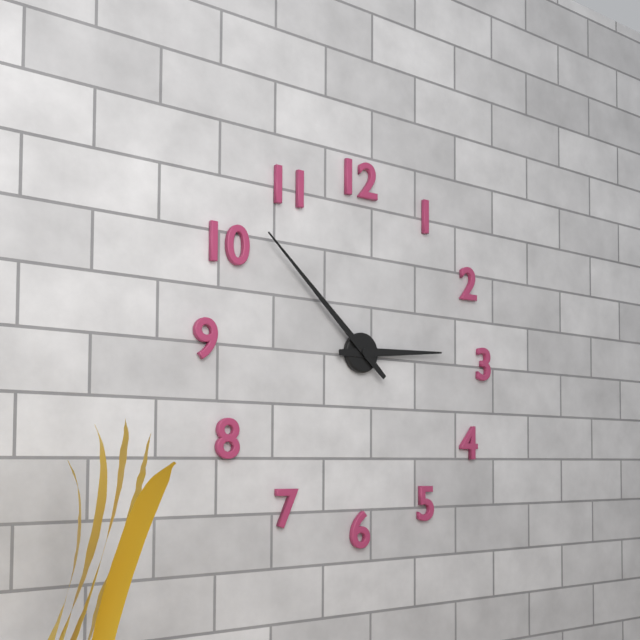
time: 2:52
